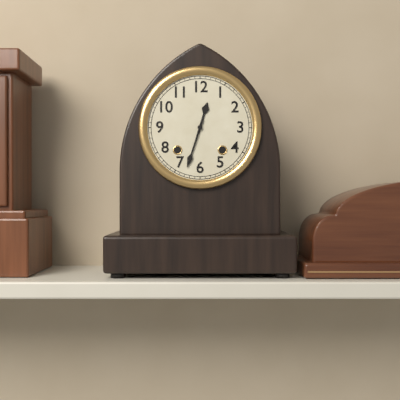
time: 12:33
